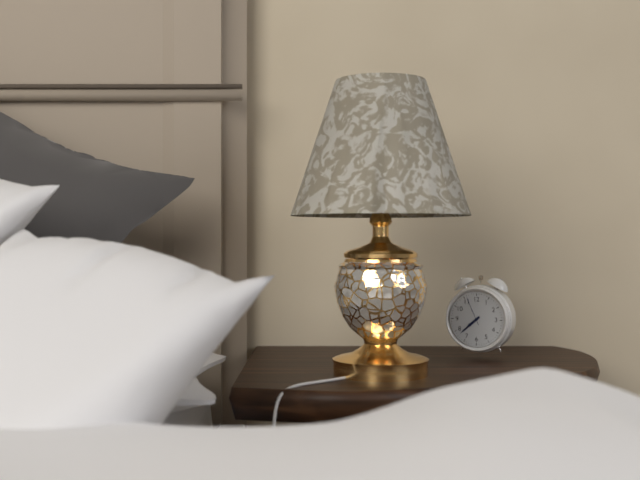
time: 7:38
